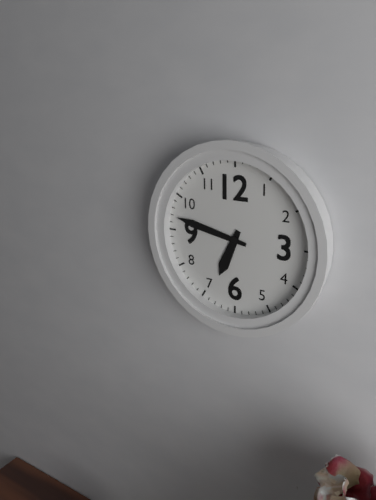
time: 6:47
